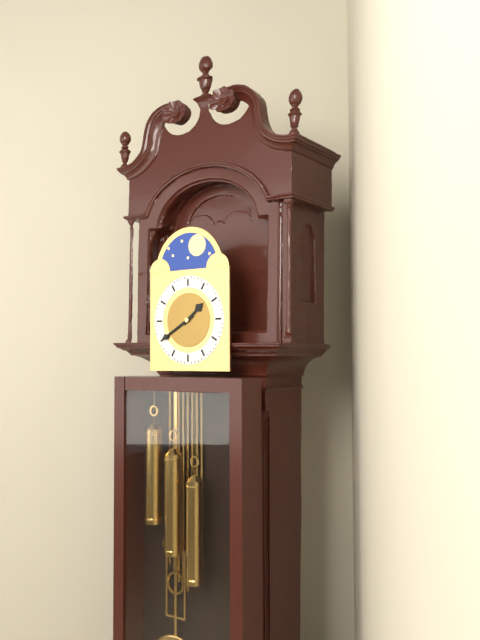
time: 1:40
